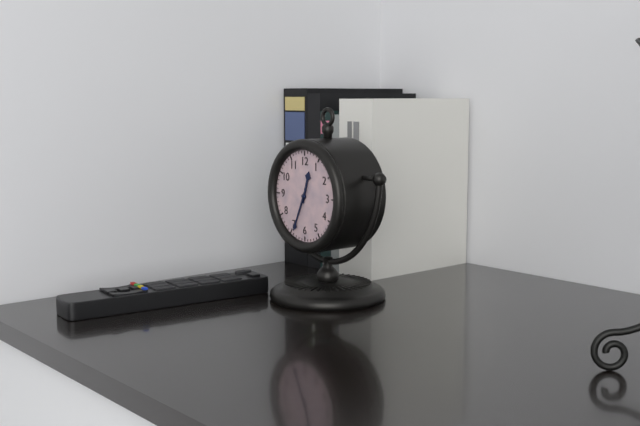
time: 12:34
